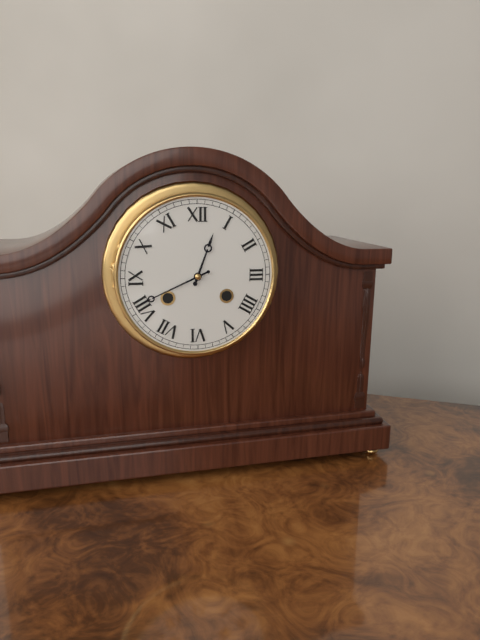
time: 12:41
